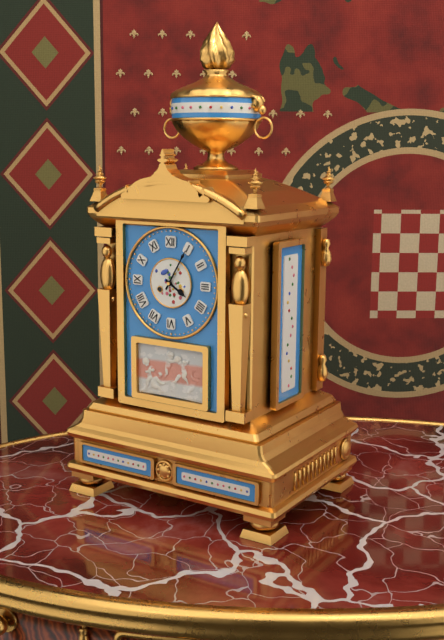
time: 4:05
